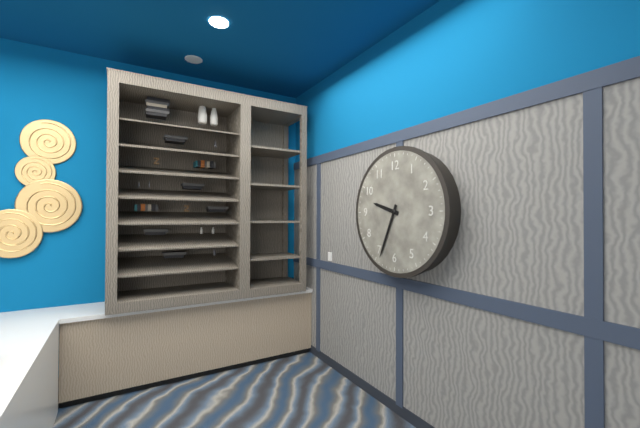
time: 9:34
